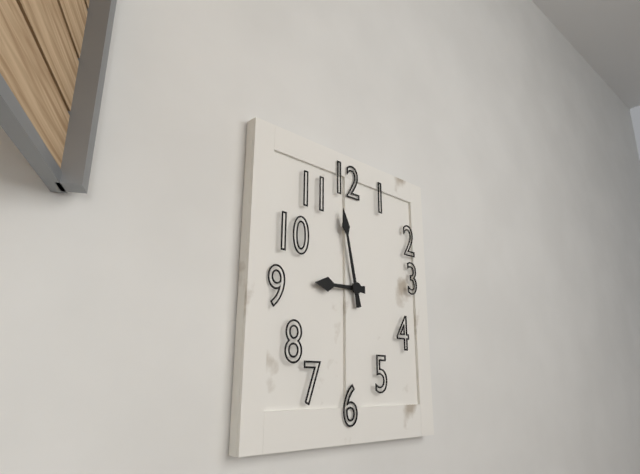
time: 8:58
